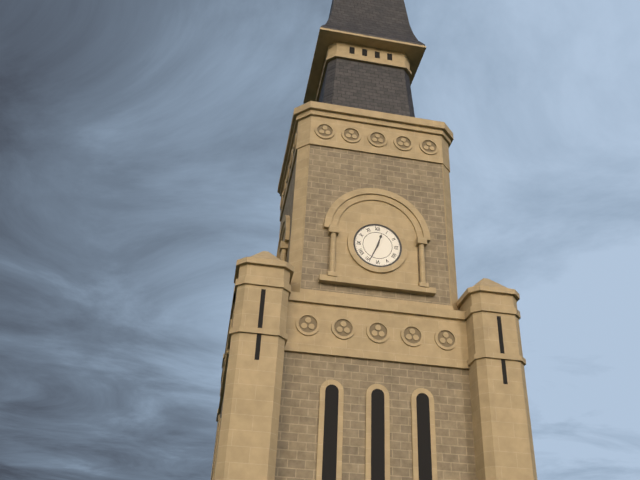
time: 12:34
